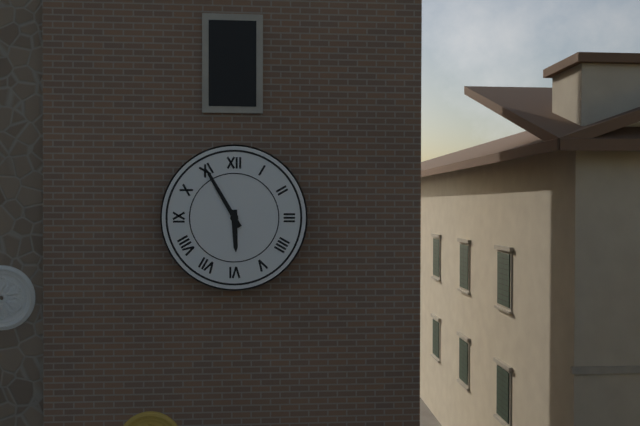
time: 5:55
